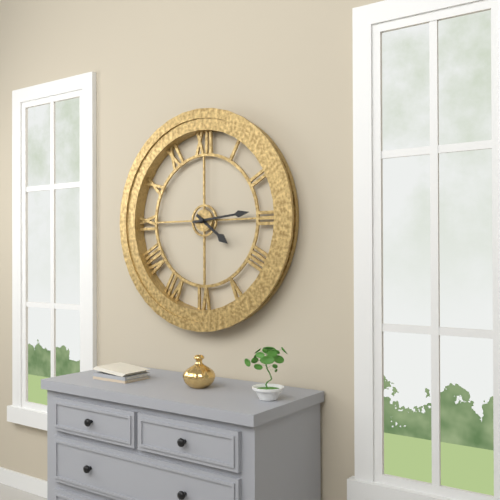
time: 4:14
